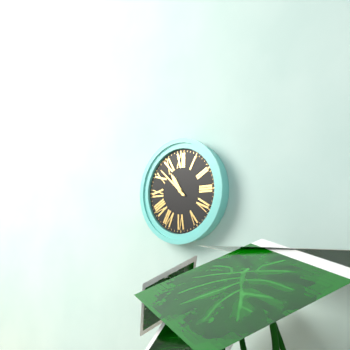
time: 10:52
